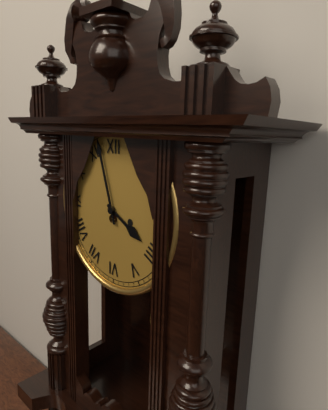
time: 3:57
